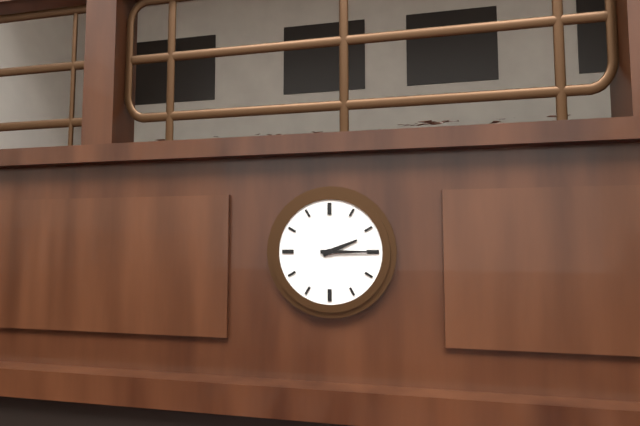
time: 2:15
